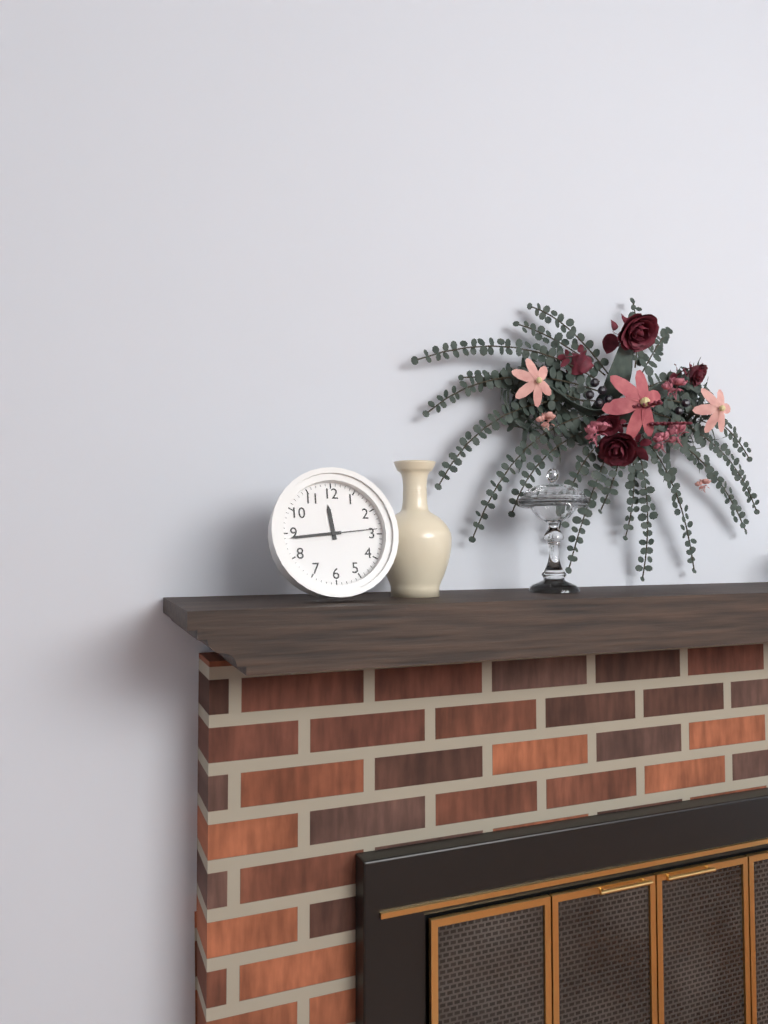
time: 11:44:14
